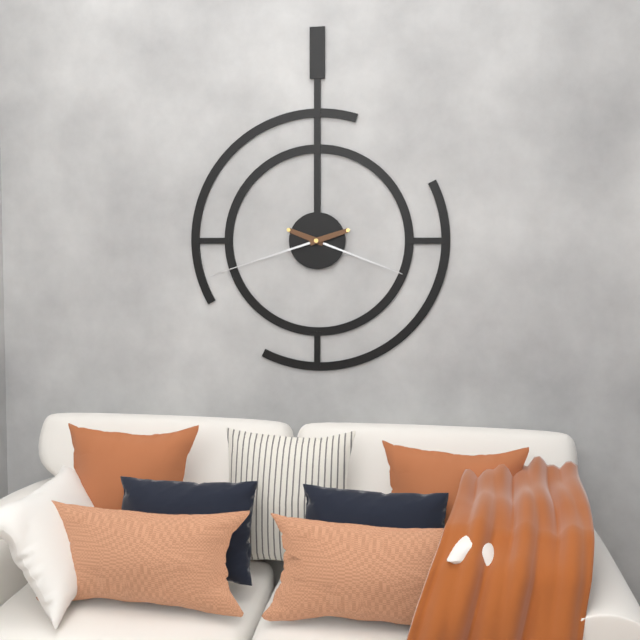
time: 3:42
